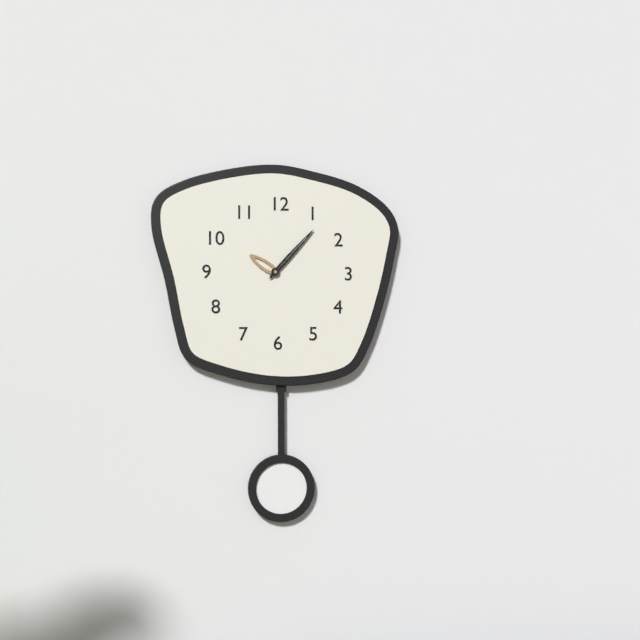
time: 10:07
